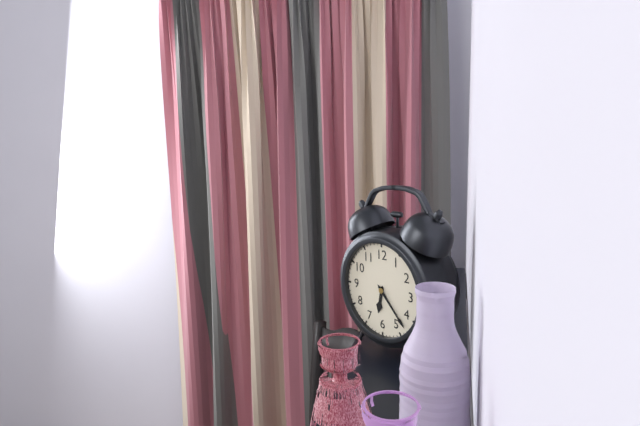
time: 6:23
